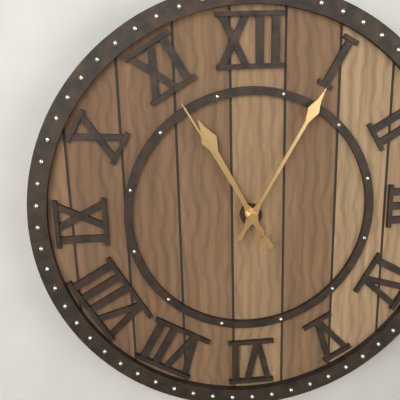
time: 11:05:55
